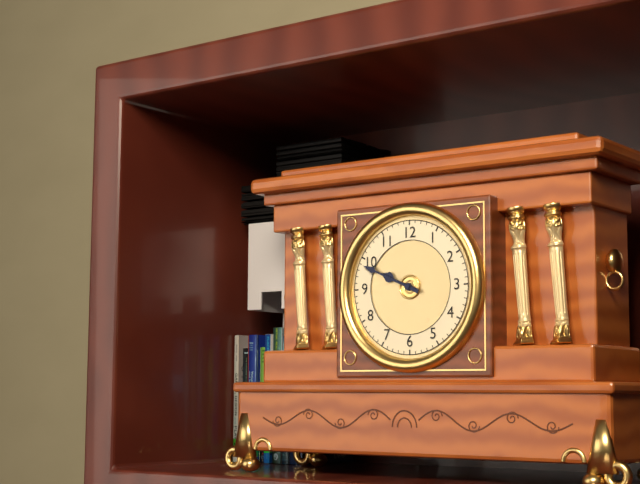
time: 9:49
